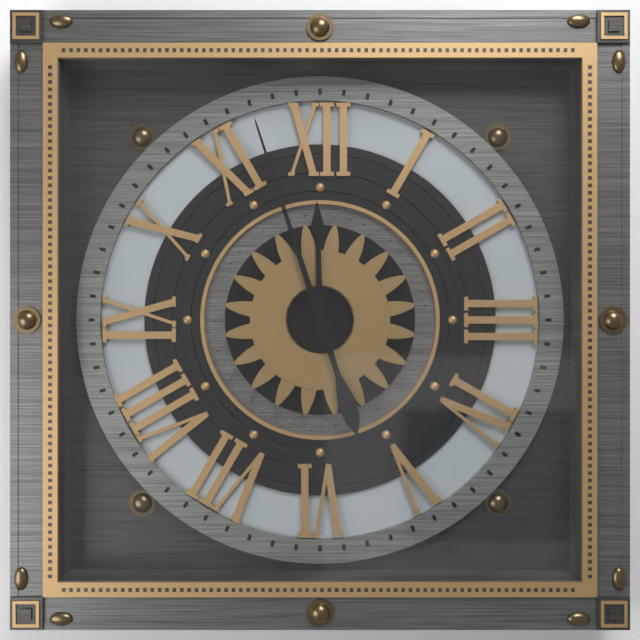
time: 11:57
